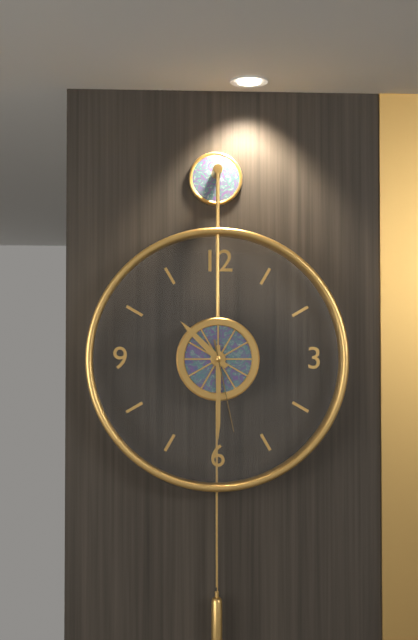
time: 10:30:28
